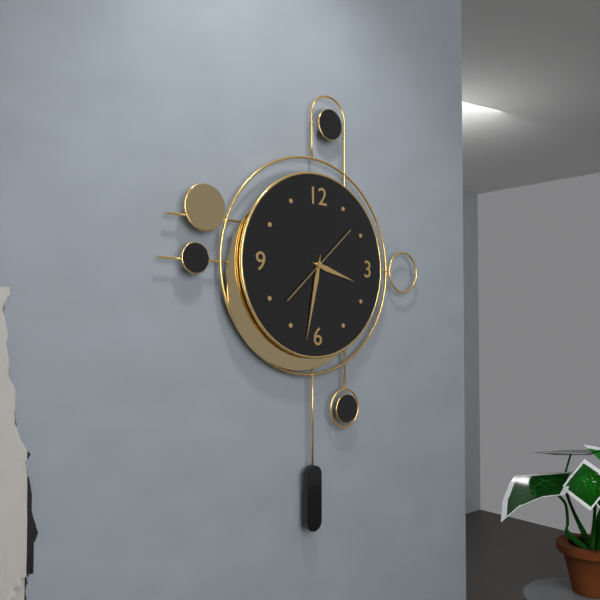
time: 3:32:08
